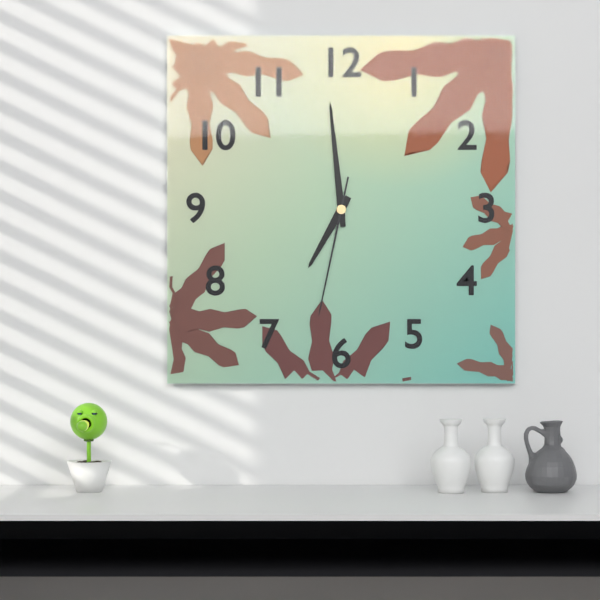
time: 6:59:32
